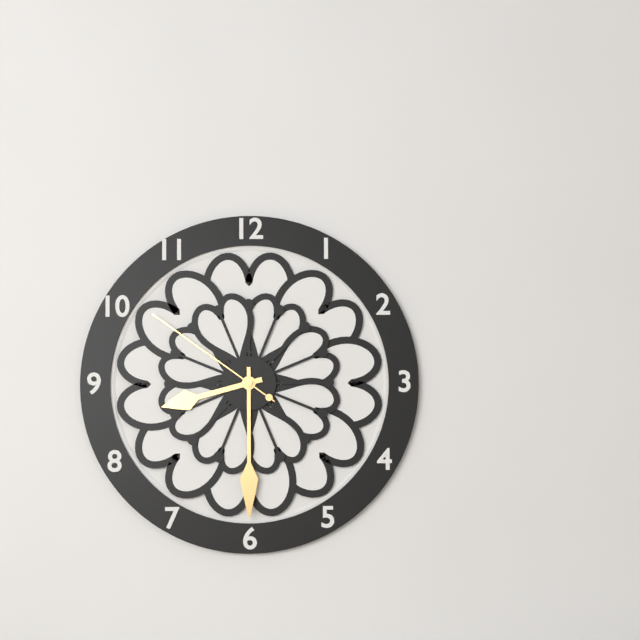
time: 8:30:51
